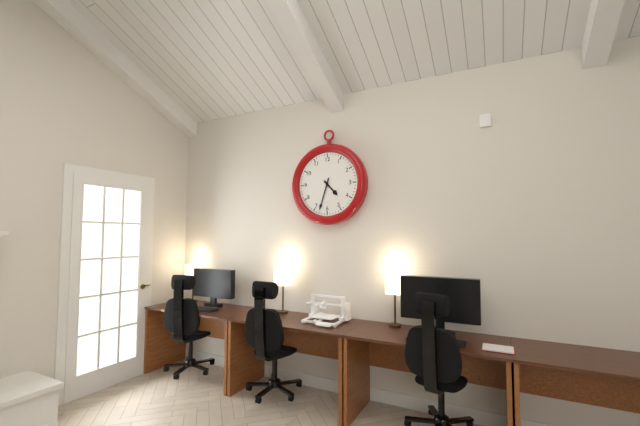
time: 4:33
